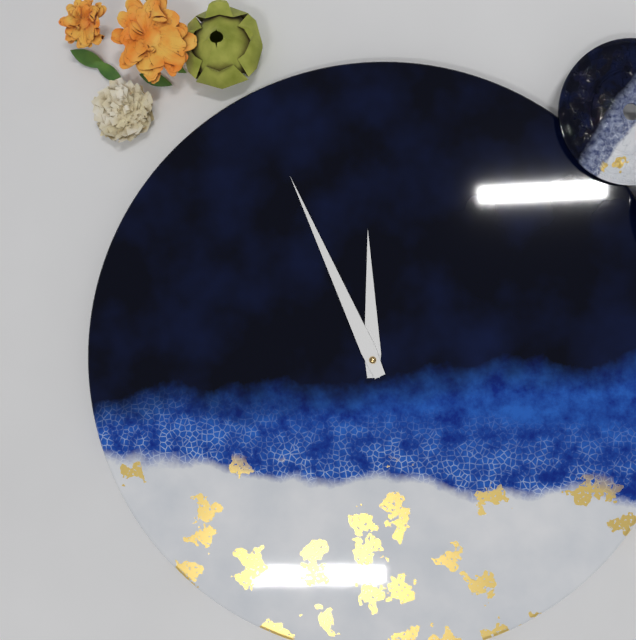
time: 11:56
